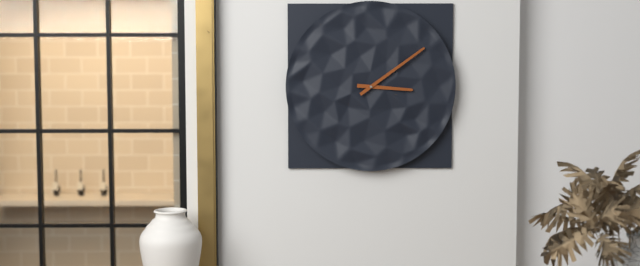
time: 3:09
